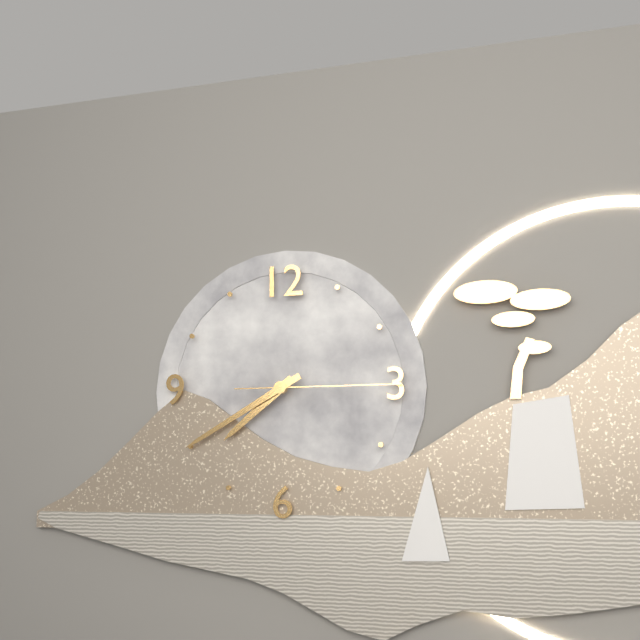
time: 7:40:15
